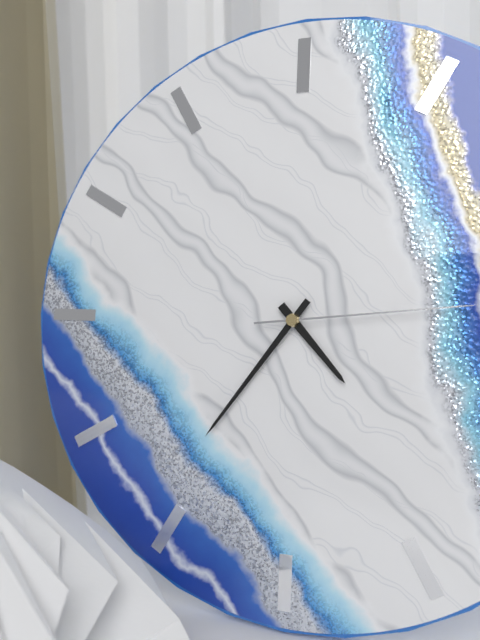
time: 4:36:14
